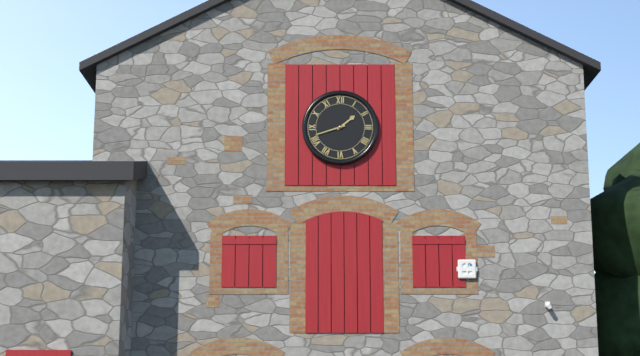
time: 1:42
